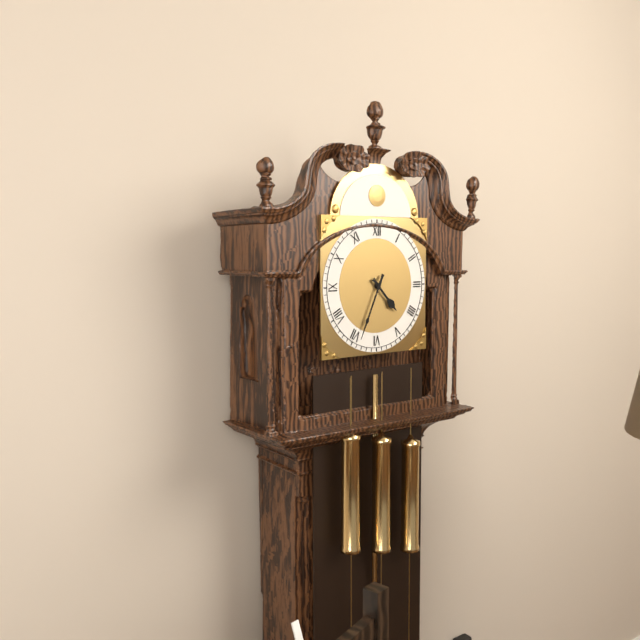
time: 4:34
